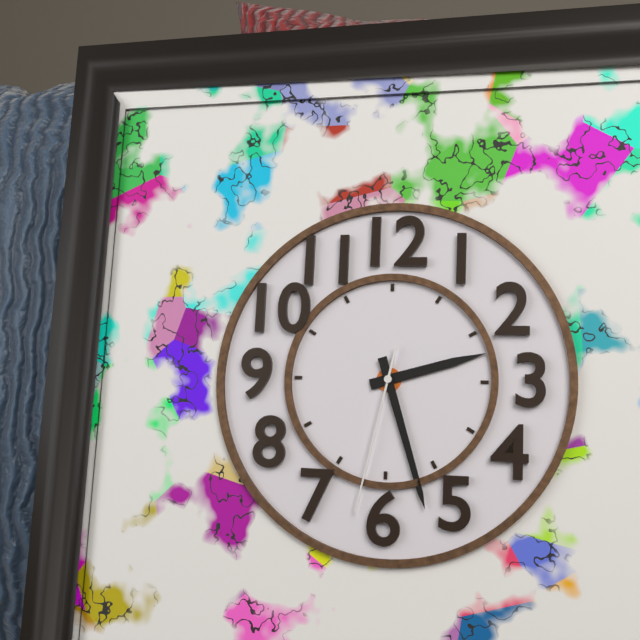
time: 2:27:32
